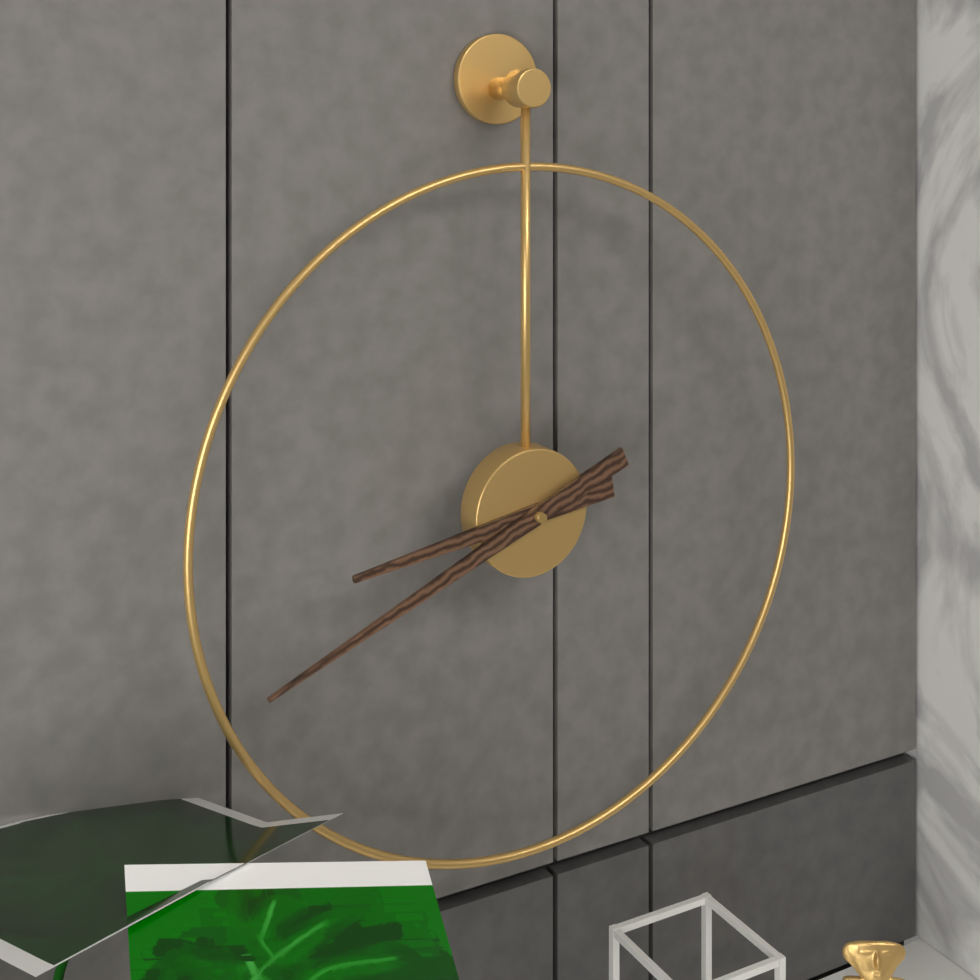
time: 8:41
